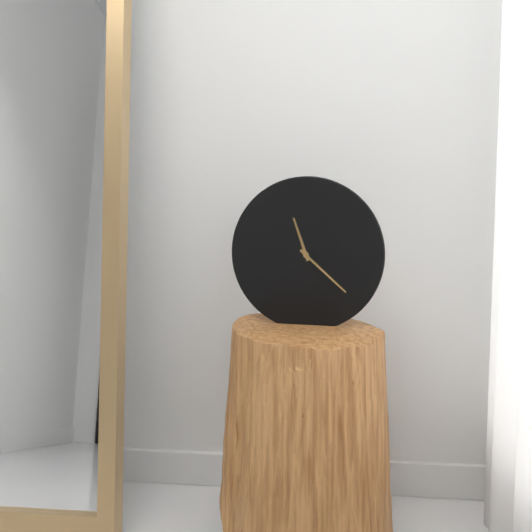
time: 11:22
